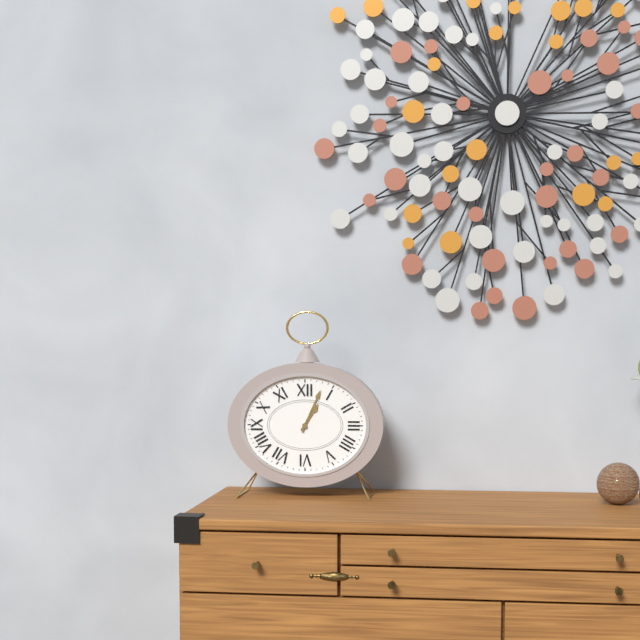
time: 1:04
